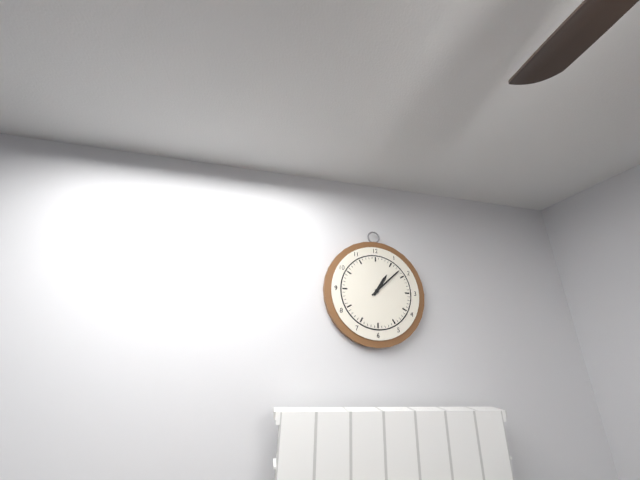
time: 1:08
